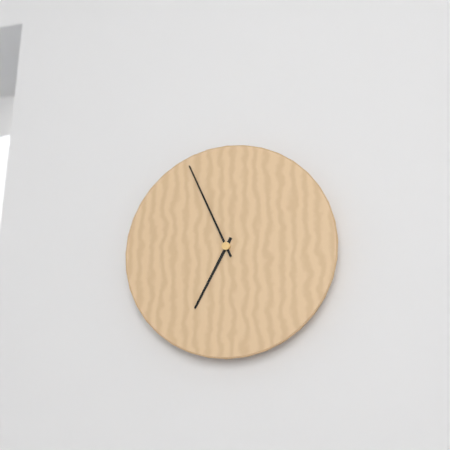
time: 6:56
